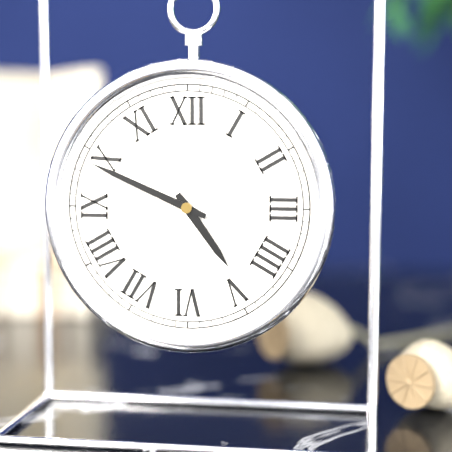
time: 4:49
